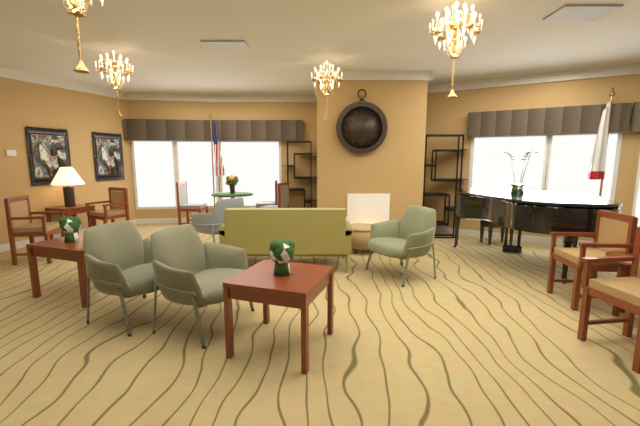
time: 12:50
